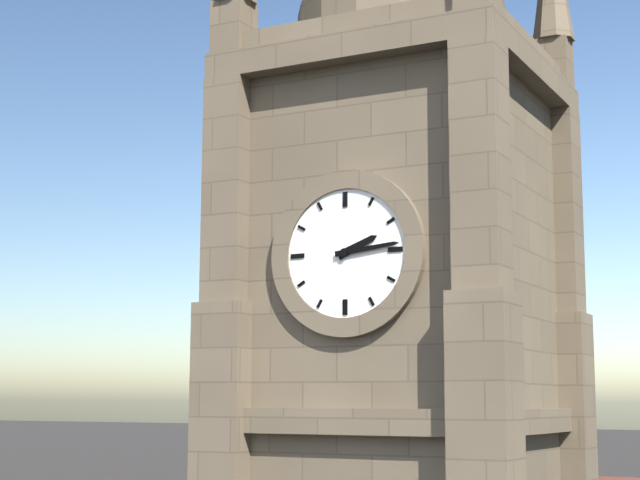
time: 2:14
